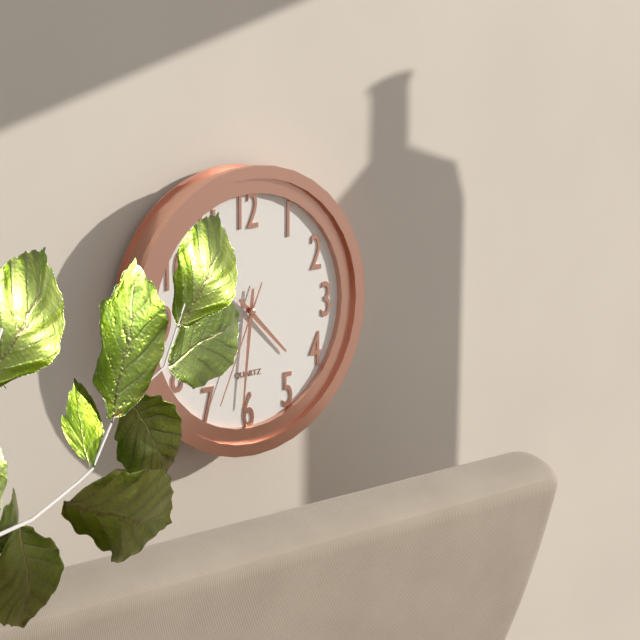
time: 4:31:34
